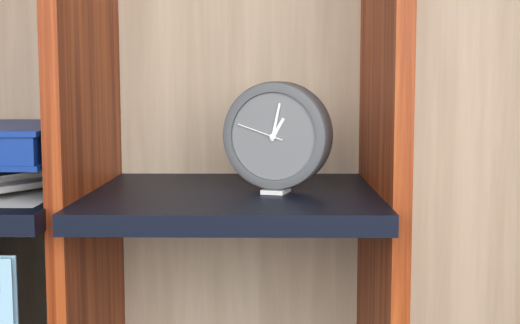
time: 1:02
